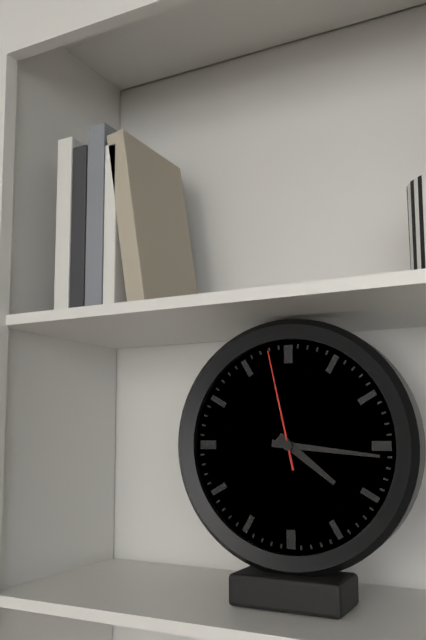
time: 4:16:58
